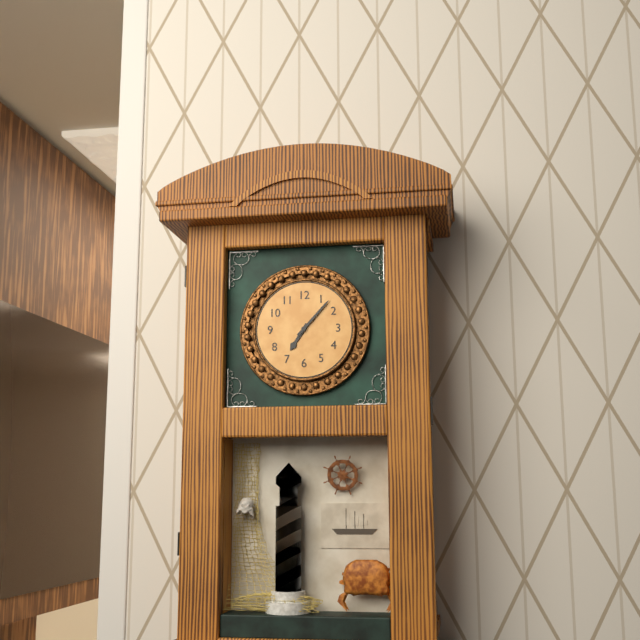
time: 7:07
